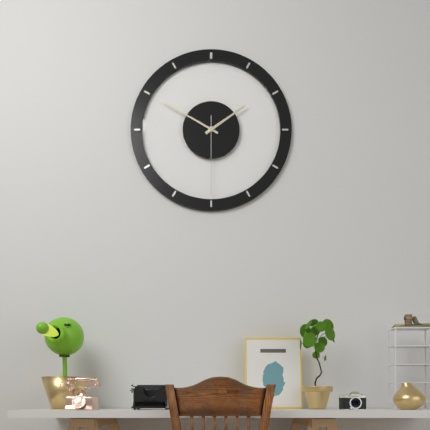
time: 1:50:30
